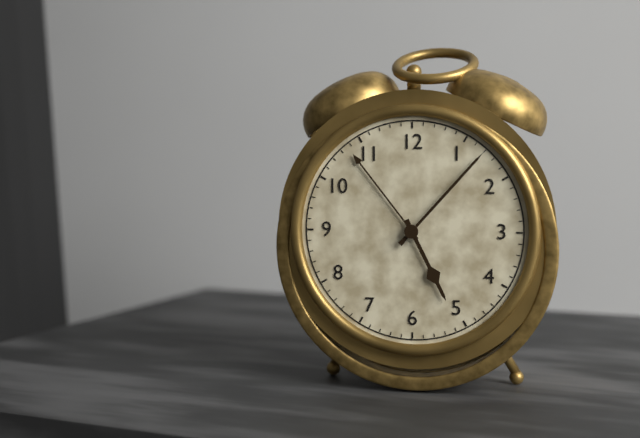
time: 5:07
